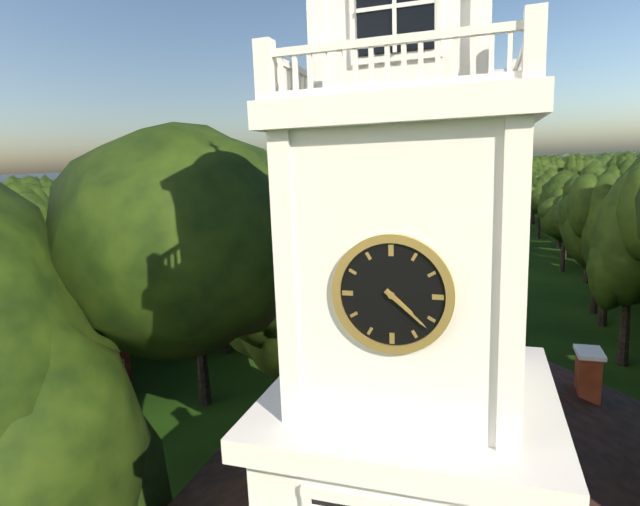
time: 4:22
